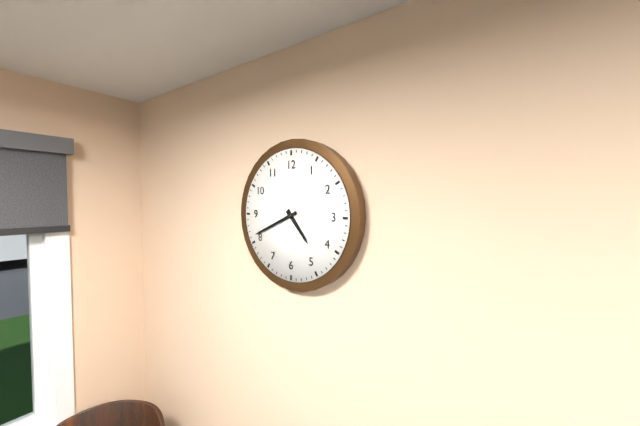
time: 4:41
